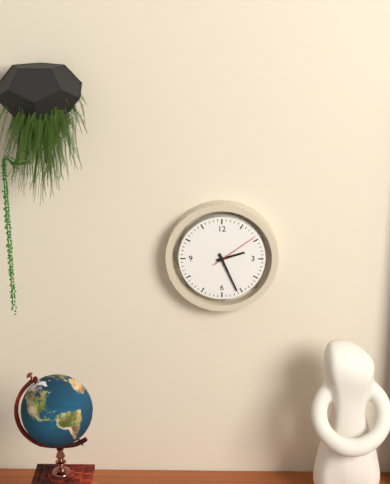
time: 2:26
